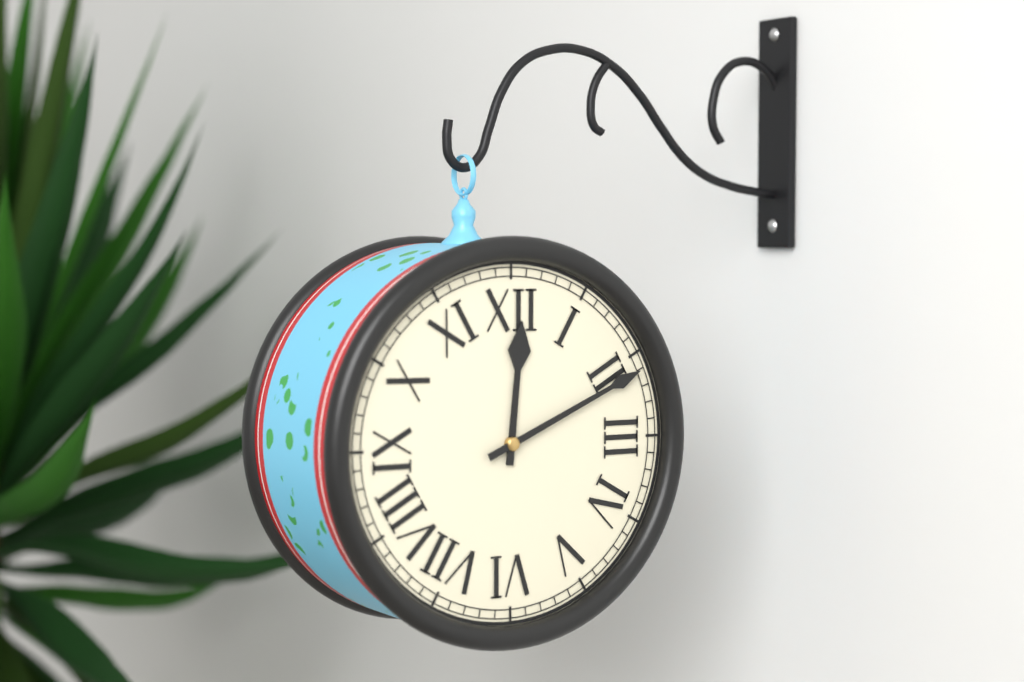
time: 12:11
